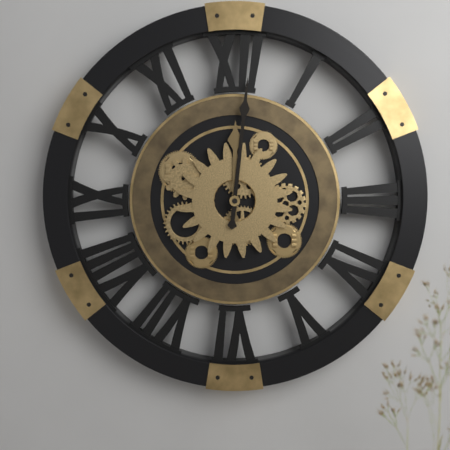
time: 12:01
